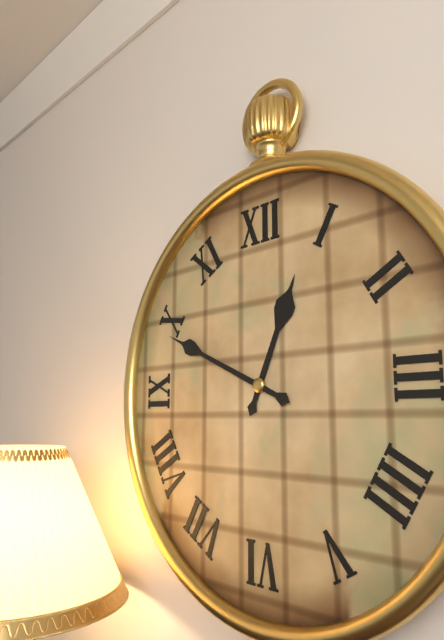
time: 12:49
